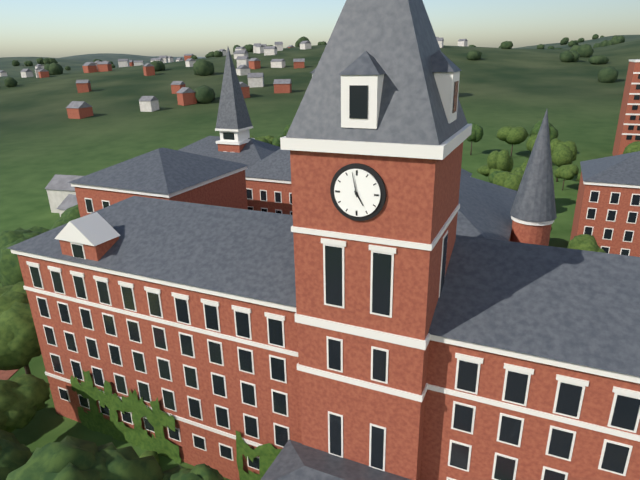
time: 4:58
